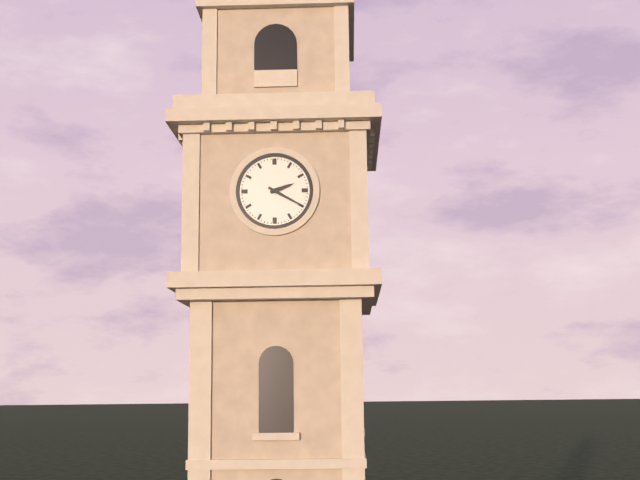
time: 2:20
